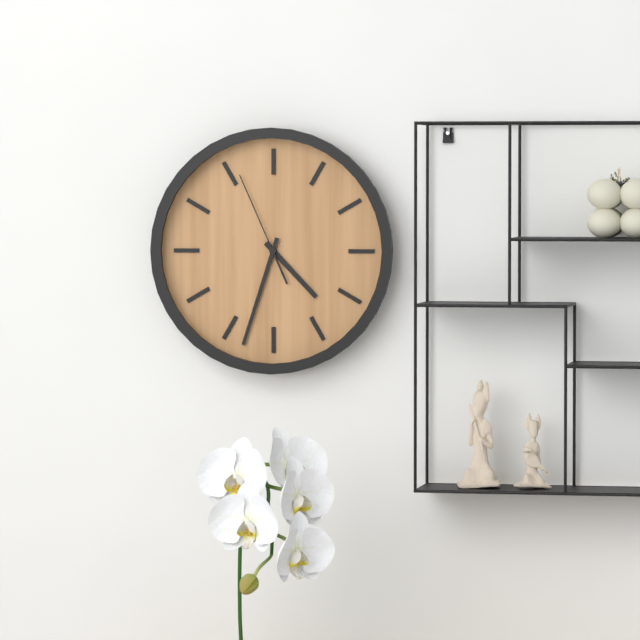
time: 4:33:56
